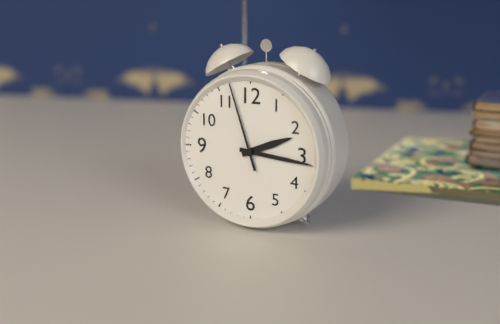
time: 2:16:57
